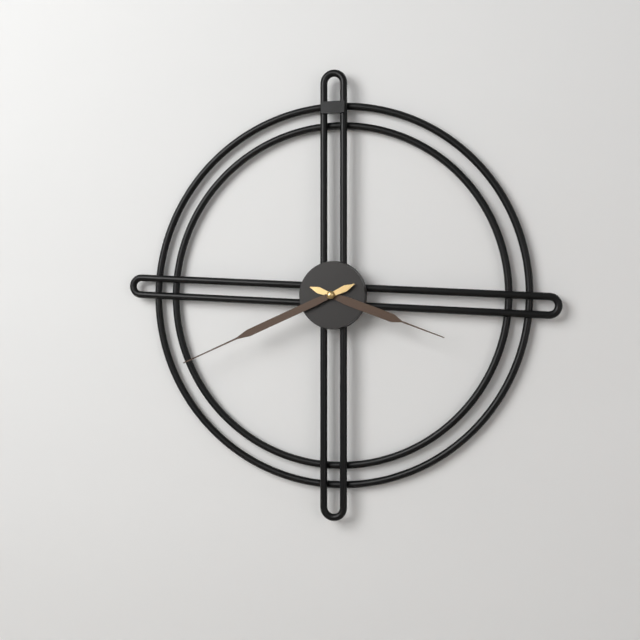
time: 3:41
